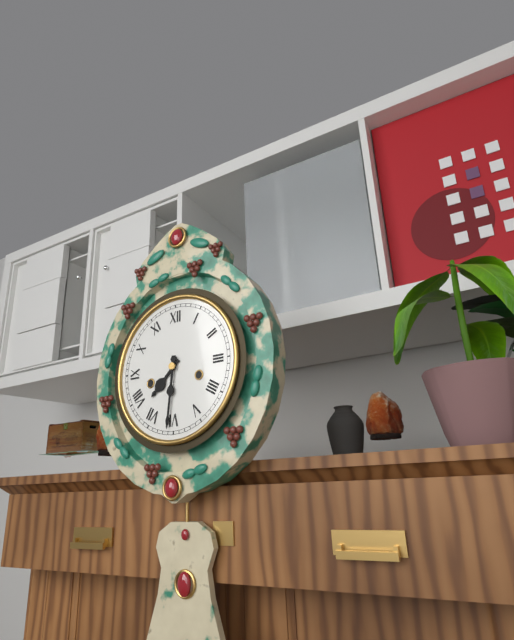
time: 7:31
